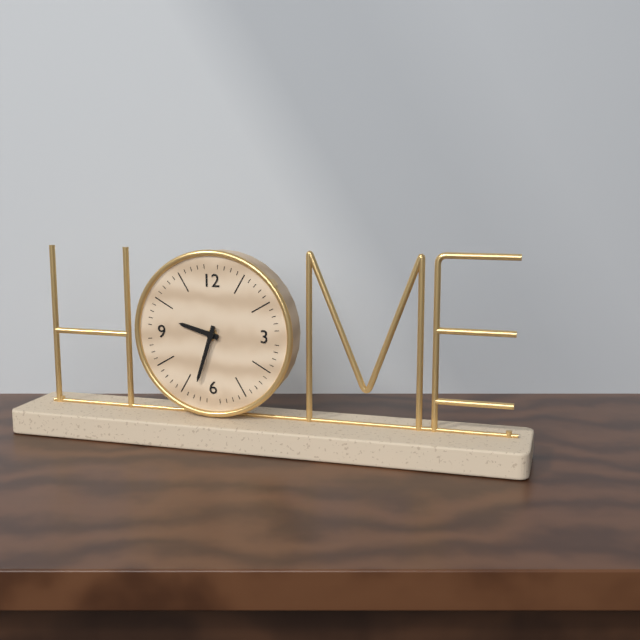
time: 9:33
